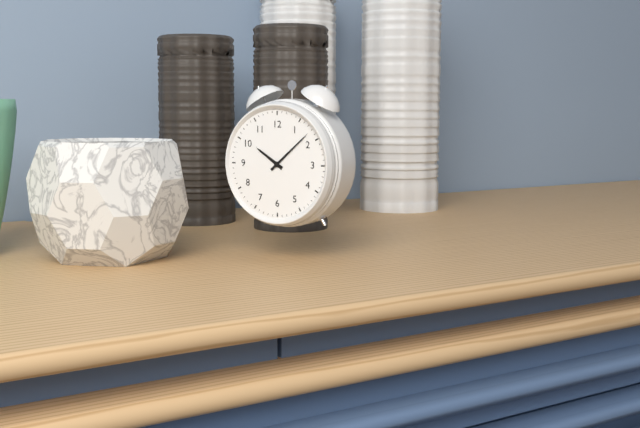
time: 10:08
